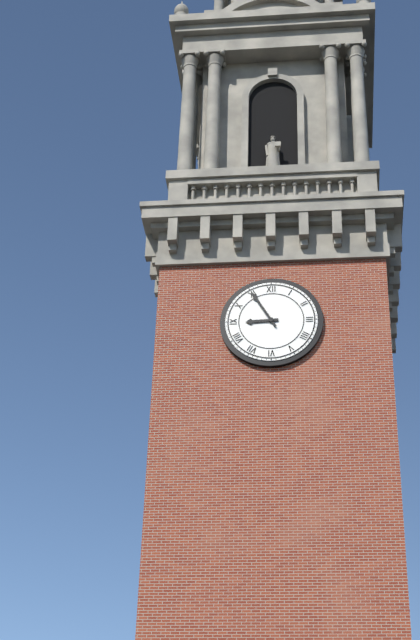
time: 8:55
